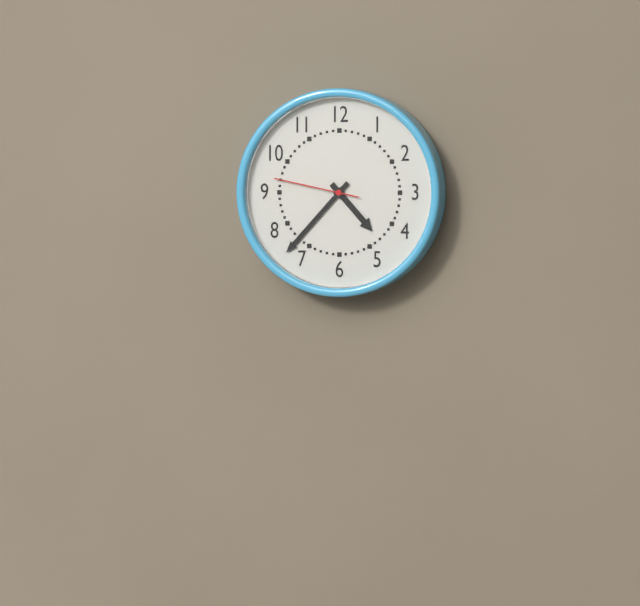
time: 4:37:47
